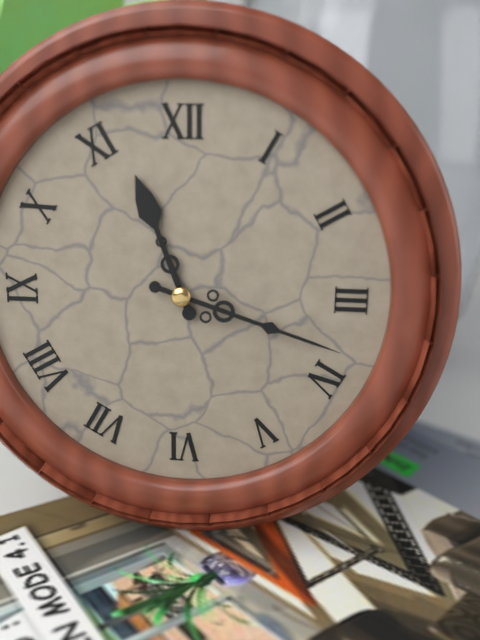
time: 11:18
